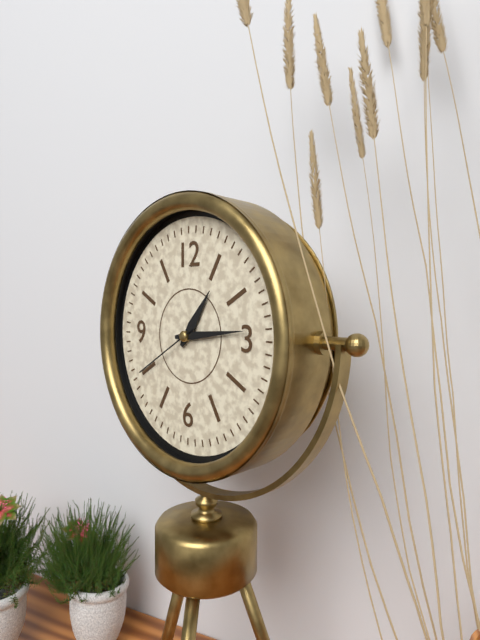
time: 1:14:40
